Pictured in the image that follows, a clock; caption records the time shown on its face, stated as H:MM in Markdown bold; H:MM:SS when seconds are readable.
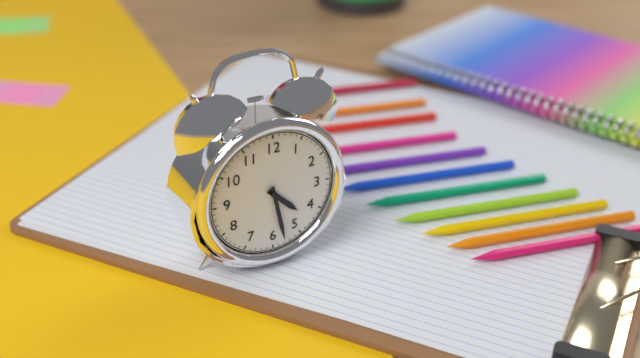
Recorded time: **4:28**
